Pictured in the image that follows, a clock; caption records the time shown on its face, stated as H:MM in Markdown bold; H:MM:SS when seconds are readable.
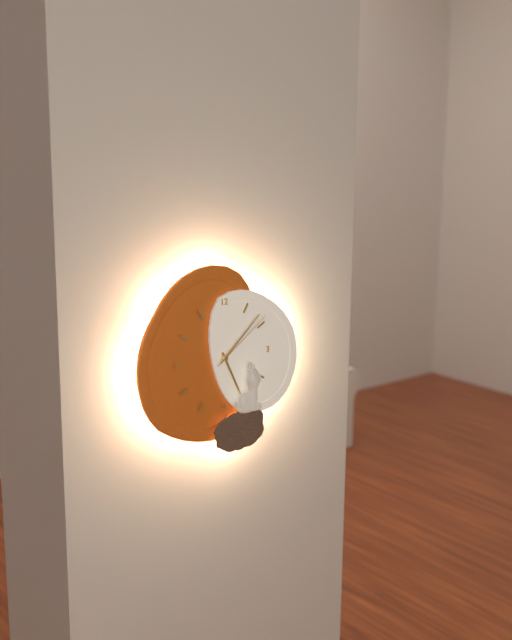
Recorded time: **5:08:09**
